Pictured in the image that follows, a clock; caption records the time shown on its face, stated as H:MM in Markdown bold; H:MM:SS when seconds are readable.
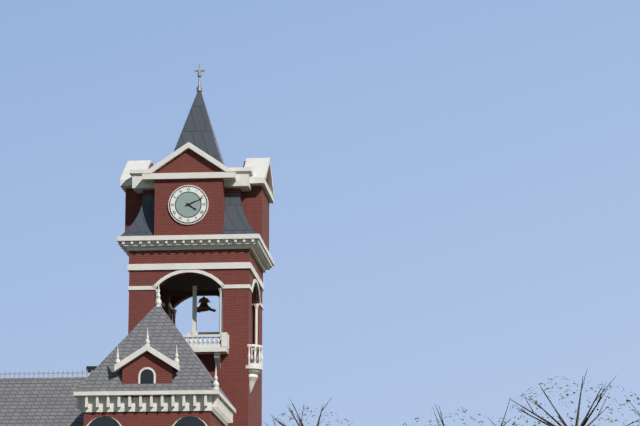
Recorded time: **4:11**
